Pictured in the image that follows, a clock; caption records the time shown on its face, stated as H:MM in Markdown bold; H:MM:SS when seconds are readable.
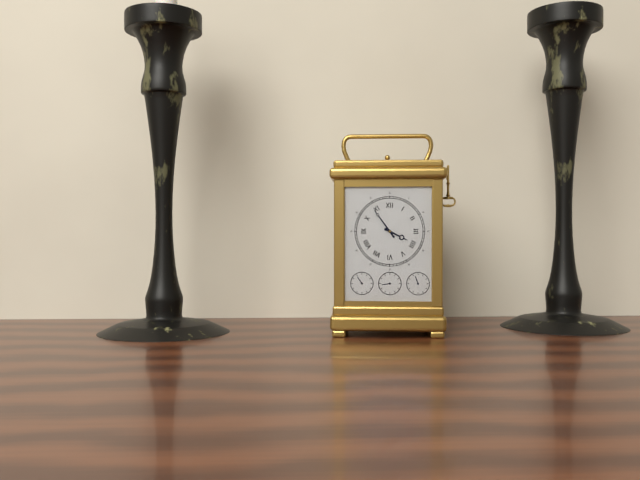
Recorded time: **3:54**
